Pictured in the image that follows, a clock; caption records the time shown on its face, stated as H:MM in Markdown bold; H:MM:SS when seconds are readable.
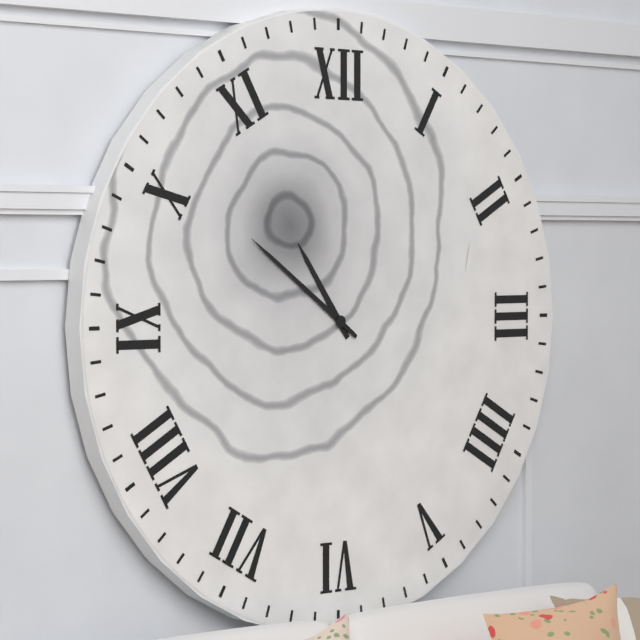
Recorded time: **10:51**
